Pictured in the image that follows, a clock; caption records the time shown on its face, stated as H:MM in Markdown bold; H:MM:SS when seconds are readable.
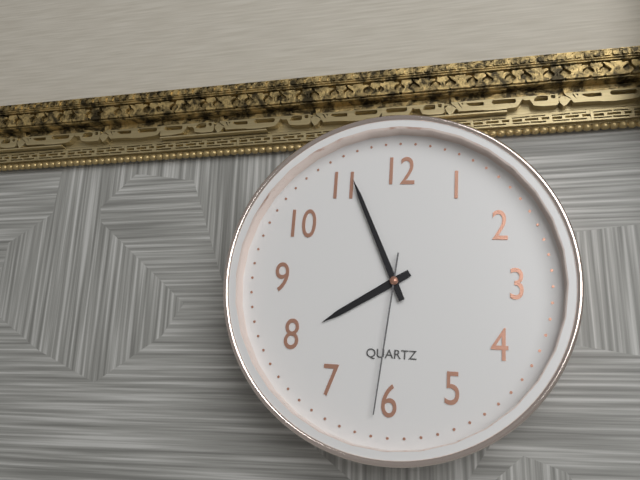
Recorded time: **7:56:31**
